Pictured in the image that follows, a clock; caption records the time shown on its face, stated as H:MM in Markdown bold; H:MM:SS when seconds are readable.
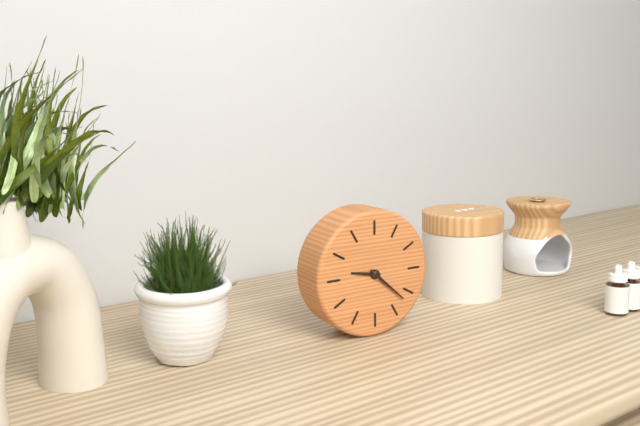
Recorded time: **9:22**
